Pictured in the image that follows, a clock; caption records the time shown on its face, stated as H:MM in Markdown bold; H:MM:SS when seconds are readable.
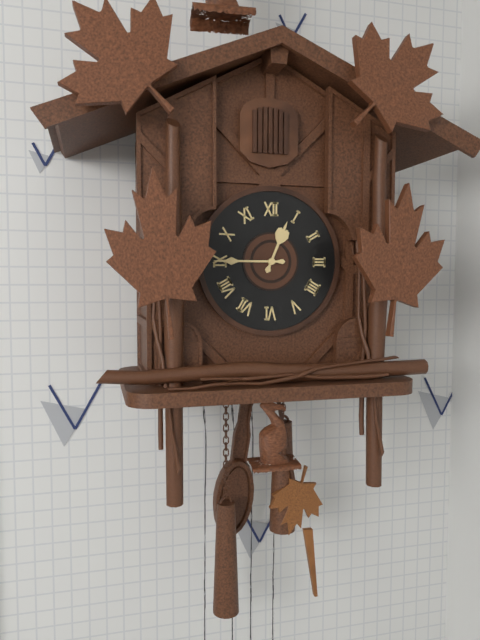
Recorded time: **12:45**
